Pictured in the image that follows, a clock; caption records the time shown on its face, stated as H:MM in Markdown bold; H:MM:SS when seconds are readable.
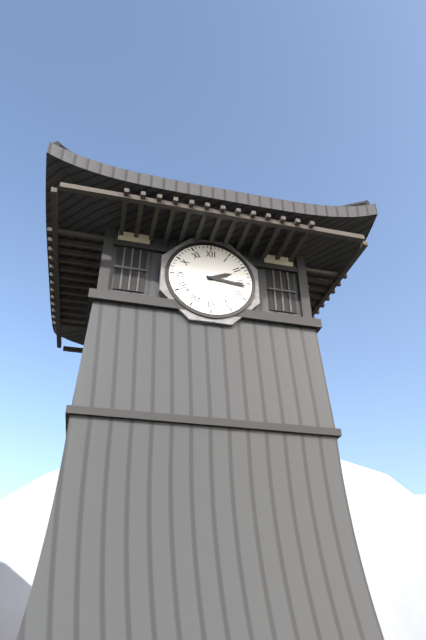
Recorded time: **2:16**
